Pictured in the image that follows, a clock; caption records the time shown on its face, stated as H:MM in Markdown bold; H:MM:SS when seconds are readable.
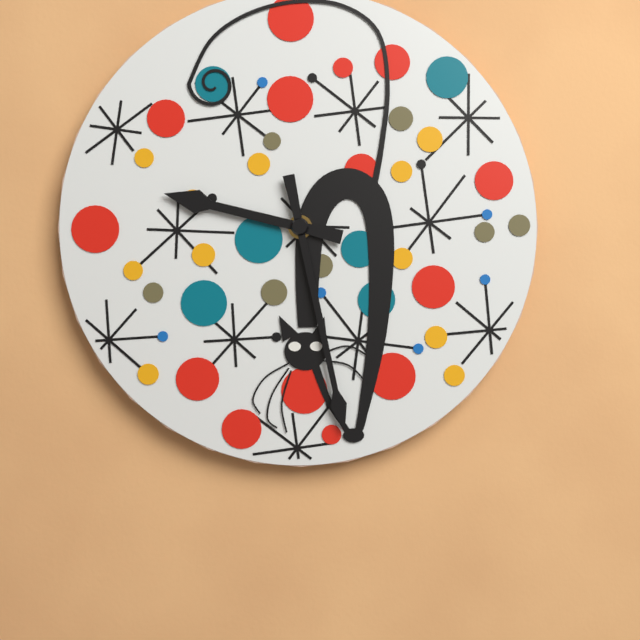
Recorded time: **9:28**
